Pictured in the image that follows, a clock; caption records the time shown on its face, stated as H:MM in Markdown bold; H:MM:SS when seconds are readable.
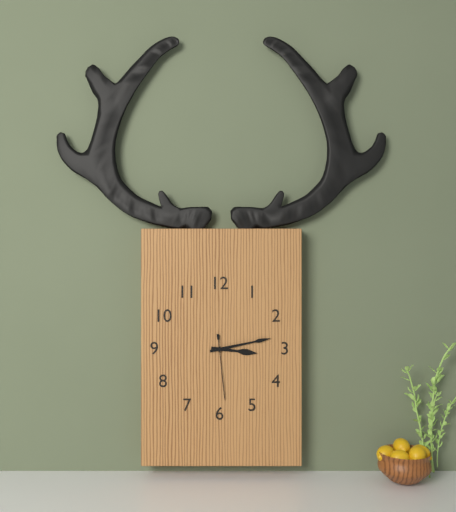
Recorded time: **3:13:29**
